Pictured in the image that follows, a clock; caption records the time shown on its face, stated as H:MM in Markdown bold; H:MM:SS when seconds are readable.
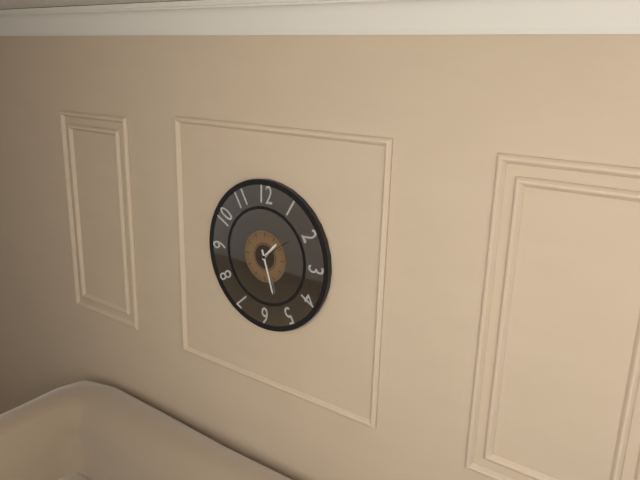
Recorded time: **1:27**
